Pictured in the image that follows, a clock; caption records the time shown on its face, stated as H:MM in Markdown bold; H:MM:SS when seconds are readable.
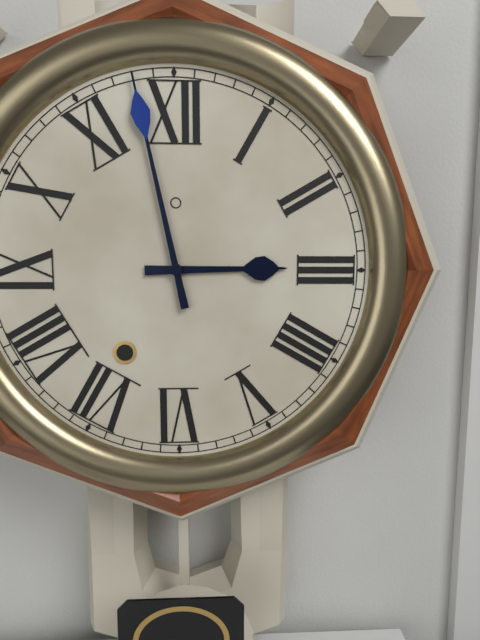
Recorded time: **2:58**
